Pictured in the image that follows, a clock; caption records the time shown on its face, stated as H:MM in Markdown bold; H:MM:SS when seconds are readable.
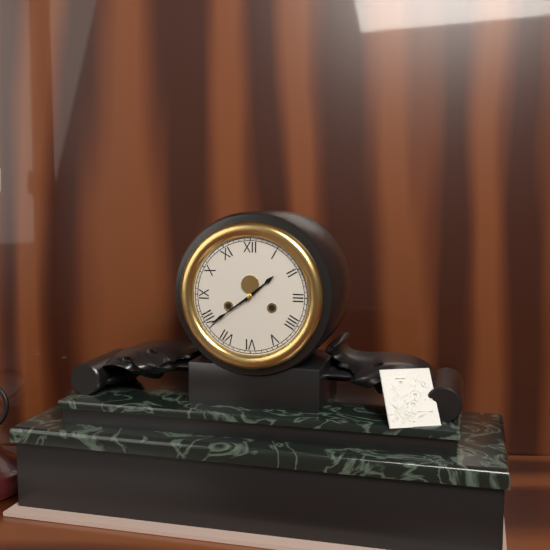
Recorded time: **1:39**
